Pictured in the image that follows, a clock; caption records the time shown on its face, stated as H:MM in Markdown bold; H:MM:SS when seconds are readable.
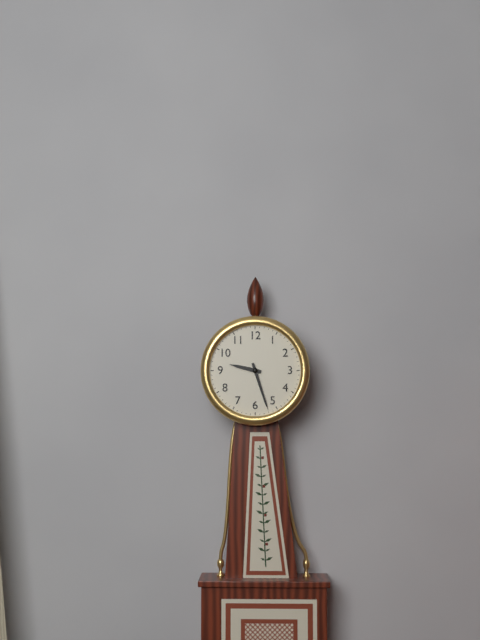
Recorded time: **9:27**
